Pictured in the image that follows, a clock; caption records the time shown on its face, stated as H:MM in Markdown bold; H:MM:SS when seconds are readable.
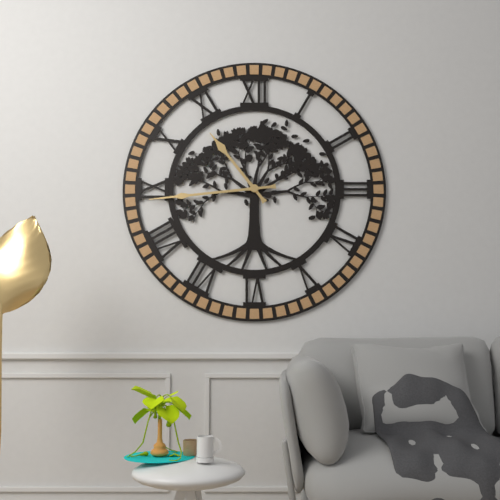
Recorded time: **10:44**
